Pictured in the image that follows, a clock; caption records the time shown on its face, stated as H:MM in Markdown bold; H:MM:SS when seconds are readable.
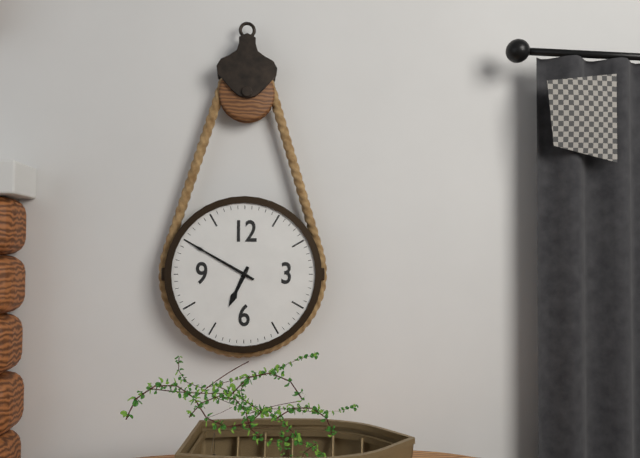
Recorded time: **6:50**
